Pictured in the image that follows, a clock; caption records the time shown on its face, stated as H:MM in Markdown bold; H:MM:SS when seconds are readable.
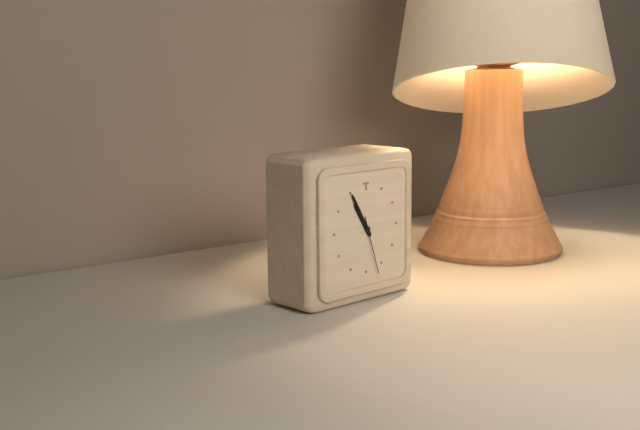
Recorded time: **10:55:27**
